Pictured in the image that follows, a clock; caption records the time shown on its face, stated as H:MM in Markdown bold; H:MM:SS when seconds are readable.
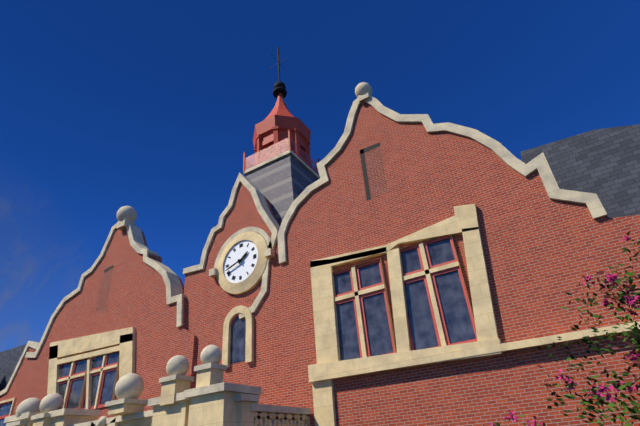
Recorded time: **1:42**
